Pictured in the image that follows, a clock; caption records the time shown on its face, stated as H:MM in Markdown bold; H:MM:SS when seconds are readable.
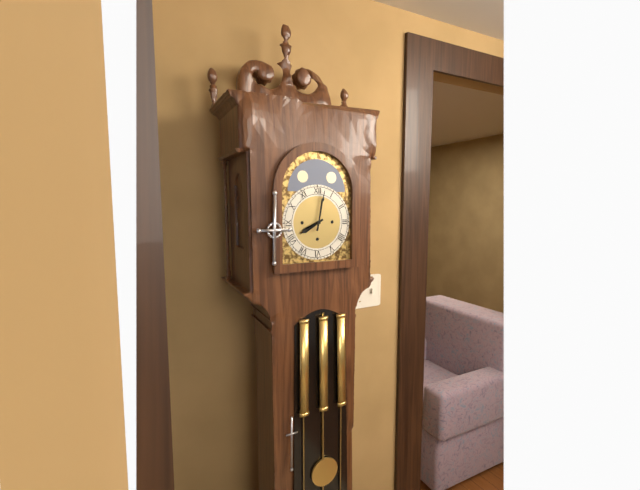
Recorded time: **8:02**
